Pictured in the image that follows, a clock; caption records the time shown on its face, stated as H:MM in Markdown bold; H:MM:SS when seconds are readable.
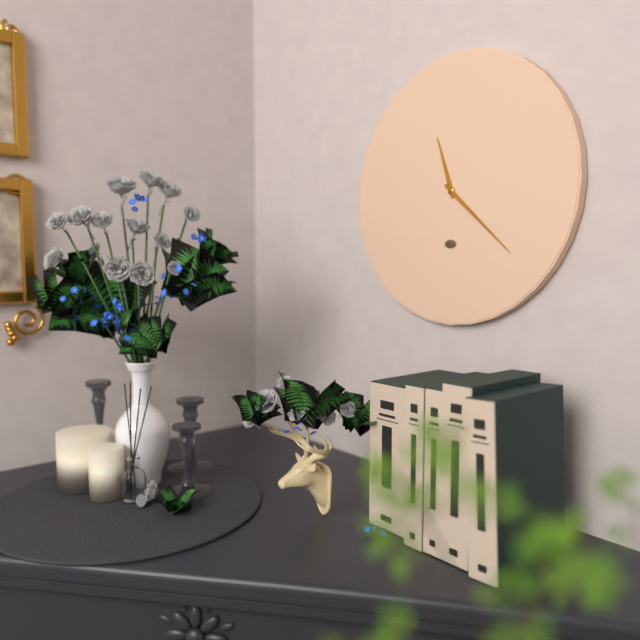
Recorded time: **11:22**
